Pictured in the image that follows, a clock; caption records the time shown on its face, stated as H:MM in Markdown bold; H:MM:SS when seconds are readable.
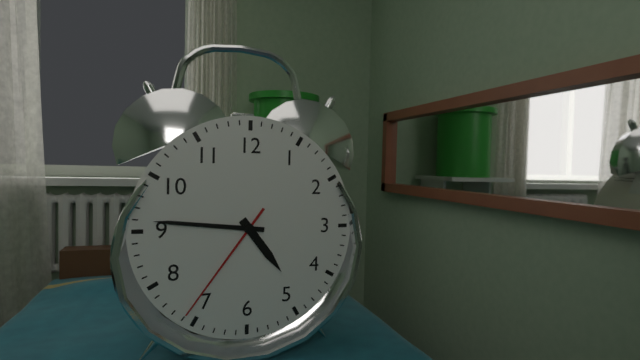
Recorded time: **4:46:36**
